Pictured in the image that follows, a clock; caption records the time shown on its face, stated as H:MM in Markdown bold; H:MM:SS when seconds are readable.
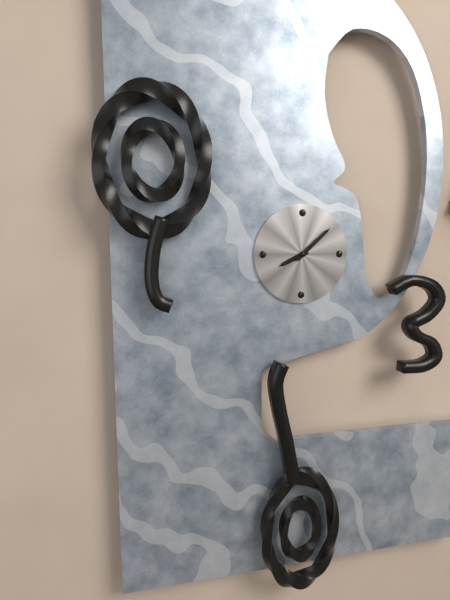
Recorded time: **8:08**
